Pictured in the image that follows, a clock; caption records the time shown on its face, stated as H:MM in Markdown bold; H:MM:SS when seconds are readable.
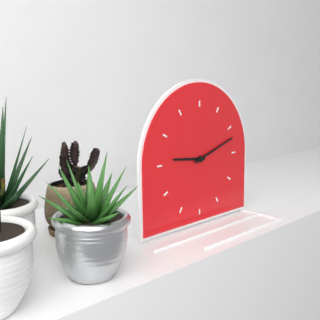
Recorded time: **9:12**
